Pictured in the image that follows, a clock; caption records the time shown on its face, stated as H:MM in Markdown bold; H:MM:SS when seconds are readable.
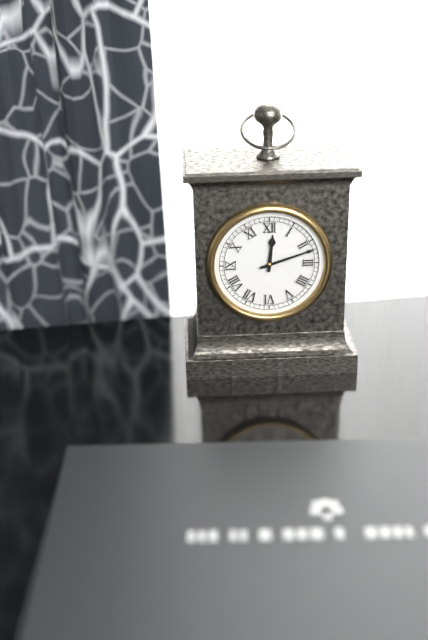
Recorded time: **12:12**
